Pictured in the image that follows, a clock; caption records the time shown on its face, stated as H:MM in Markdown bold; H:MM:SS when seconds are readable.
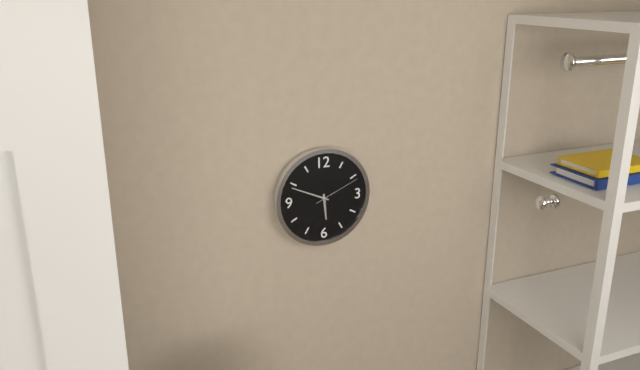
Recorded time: **5:49**
